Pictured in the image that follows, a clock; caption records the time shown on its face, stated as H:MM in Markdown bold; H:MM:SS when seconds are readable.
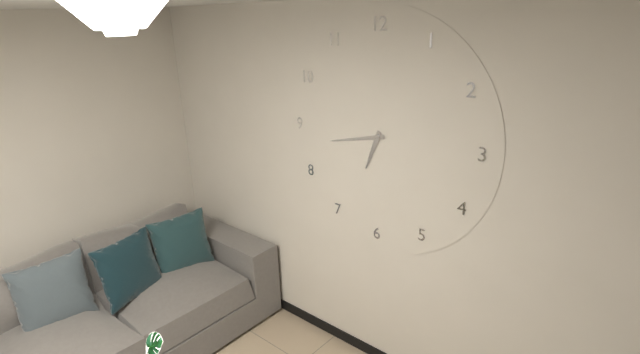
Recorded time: **6:43**
